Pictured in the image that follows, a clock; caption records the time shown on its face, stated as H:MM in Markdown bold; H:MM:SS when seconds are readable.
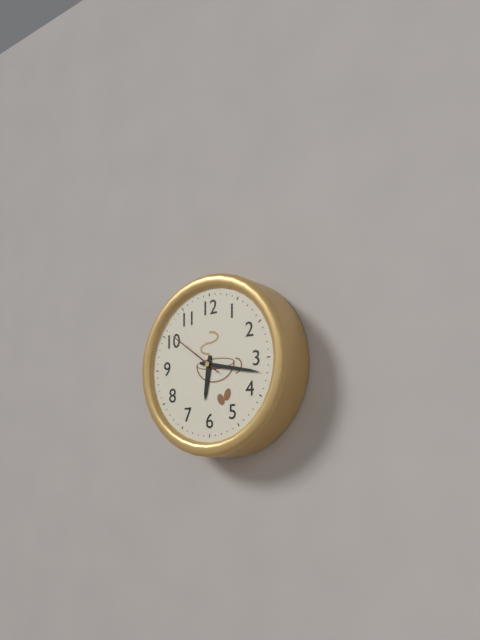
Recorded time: **6:17:51**
